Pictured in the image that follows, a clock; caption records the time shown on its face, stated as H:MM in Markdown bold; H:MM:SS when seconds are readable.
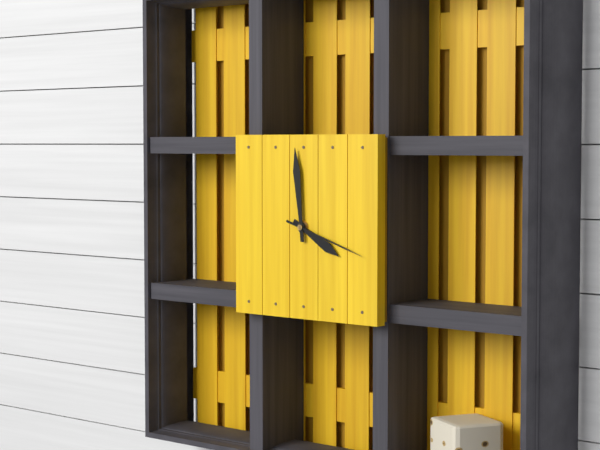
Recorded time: **3:59:18**
